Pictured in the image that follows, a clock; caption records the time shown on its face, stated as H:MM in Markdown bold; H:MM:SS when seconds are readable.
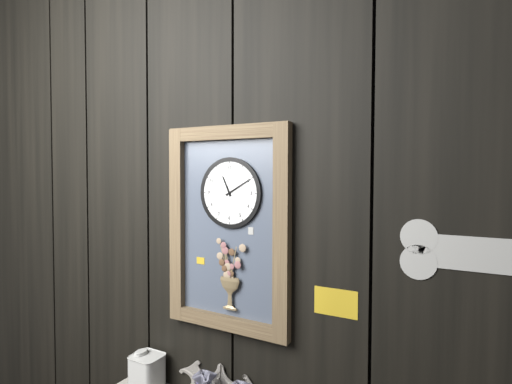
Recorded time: **11:10**
